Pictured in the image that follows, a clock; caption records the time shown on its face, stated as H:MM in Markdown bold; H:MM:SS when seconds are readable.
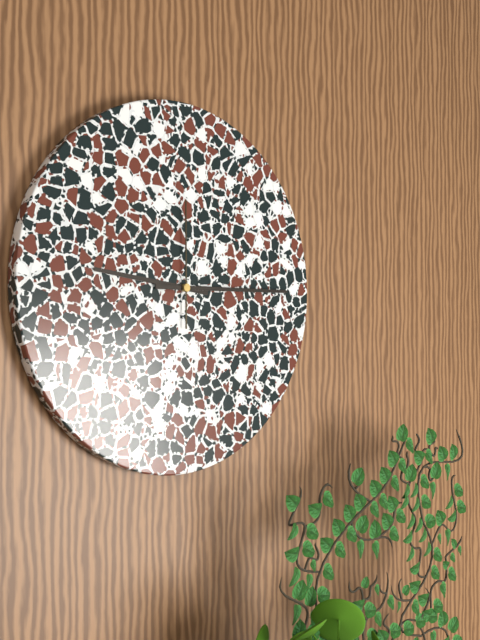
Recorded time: **9:15:00**
